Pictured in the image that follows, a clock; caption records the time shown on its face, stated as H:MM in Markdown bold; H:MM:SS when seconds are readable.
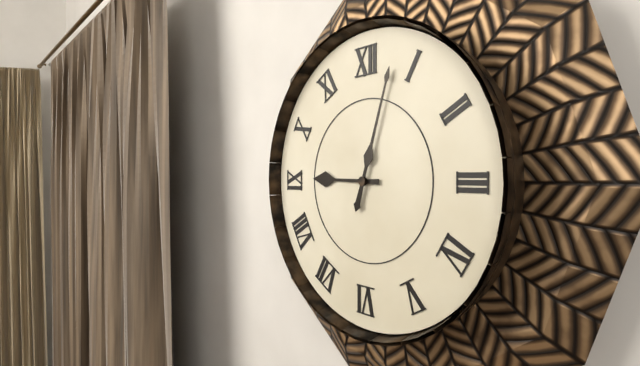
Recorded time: **9:03**
